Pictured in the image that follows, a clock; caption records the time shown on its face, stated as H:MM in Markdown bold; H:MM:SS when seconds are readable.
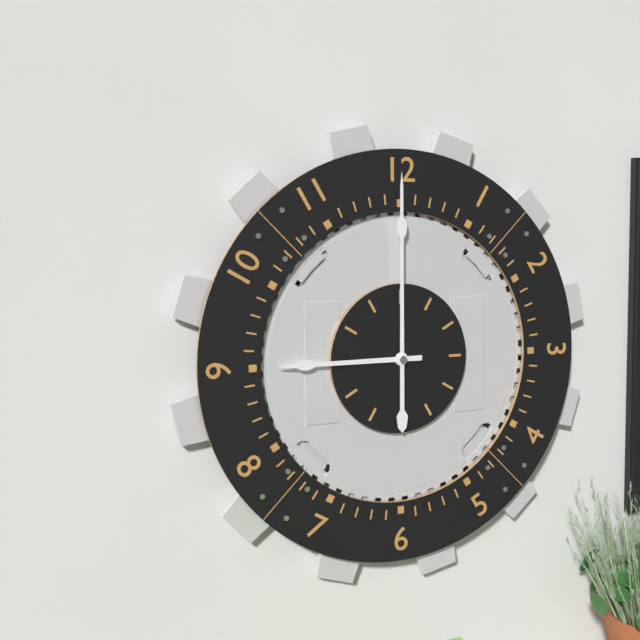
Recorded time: **9:00**
